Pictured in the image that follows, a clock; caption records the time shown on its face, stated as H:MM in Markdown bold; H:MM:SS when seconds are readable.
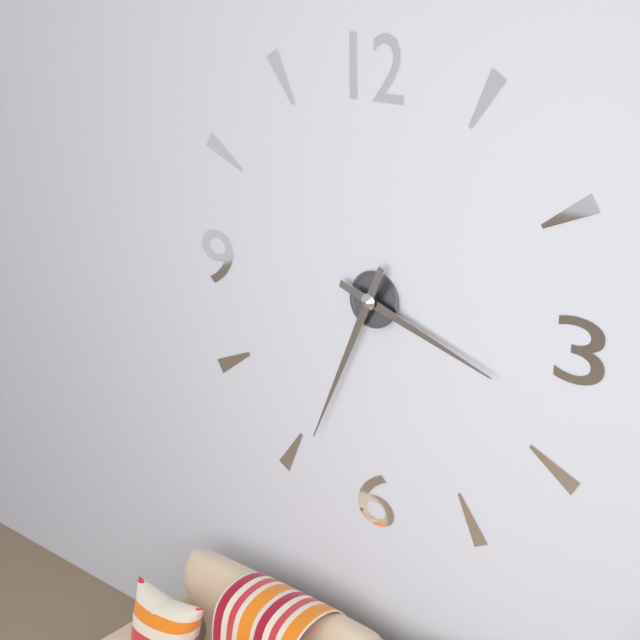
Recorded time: **3:34**
